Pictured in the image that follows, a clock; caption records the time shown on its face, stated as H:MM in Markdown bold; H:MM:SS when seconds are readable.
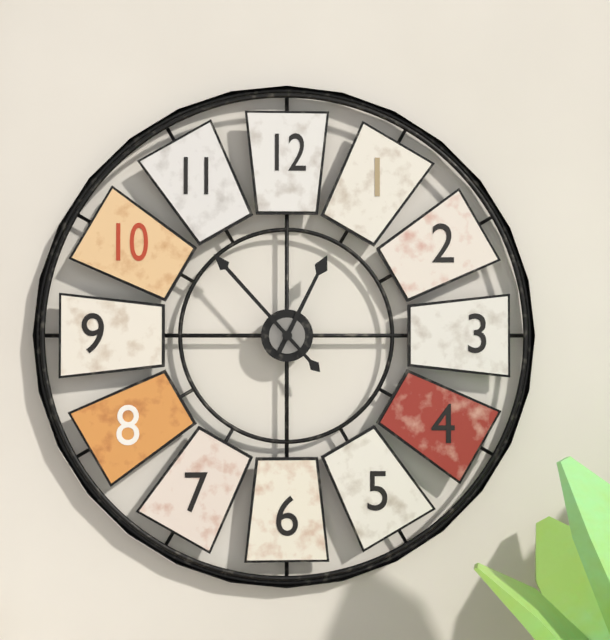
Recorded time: **12:53**
